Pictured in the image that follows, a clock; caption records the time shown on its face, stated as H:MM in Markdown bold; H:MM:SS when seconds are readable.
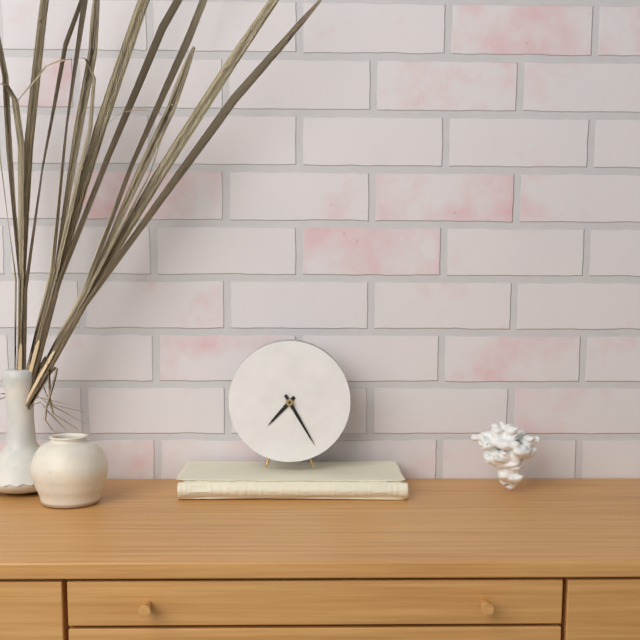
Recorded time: **7:25**
